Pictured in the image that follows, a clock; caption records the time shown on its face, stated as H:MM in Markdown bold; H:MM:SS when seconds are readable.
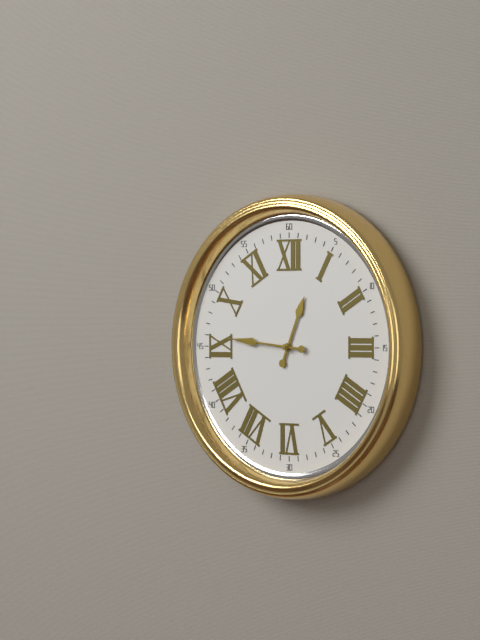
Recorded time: **12:46:46**
